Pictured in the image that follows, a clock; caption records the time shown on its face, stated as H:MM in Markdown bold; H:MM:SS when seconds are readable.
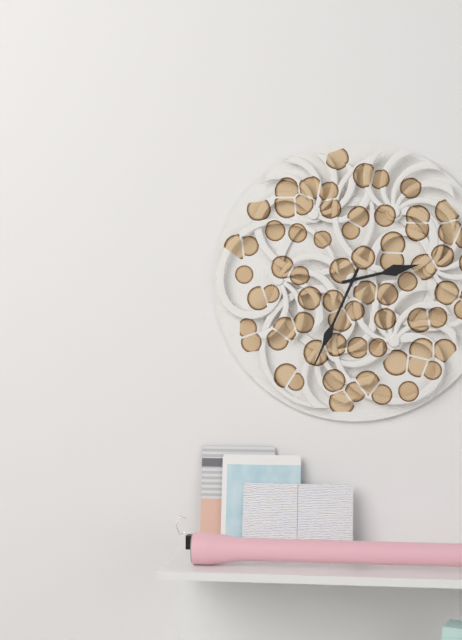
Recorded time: **2:34**
